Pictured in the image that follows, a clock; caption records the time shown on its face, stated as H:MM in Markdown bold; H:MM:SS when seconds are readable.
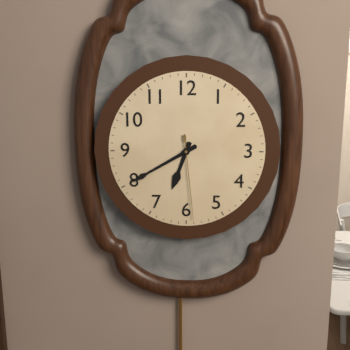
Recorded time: **6:40:29**
